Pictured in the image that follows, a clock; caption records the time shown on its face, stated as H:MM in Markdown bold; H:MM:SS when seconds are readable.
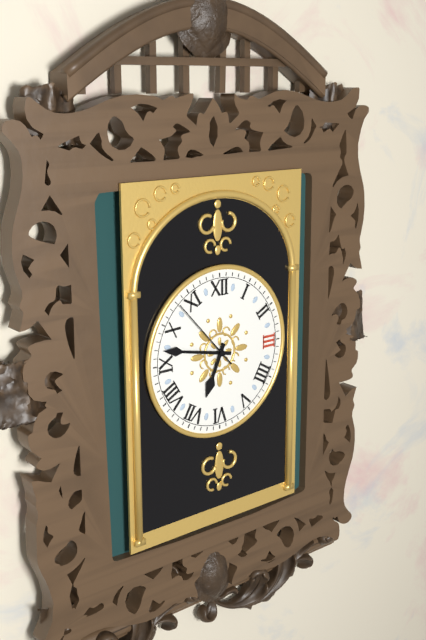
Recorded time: **6:47:53**
